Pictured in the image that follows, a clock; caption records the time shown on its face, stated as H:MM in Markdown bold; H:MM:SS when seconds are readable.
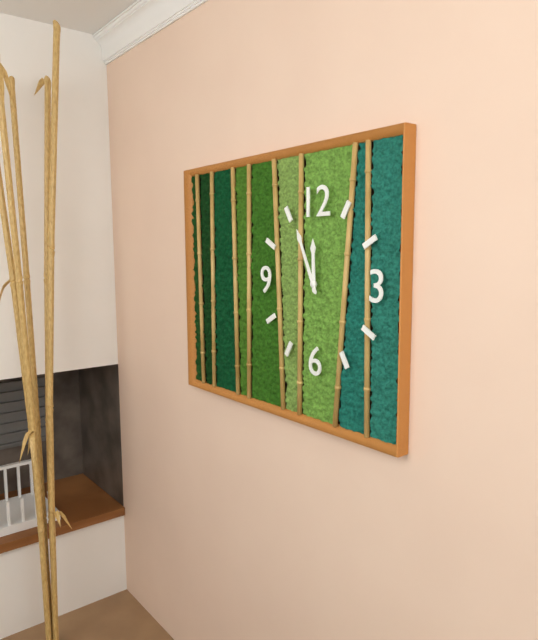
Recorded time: **11:56**
